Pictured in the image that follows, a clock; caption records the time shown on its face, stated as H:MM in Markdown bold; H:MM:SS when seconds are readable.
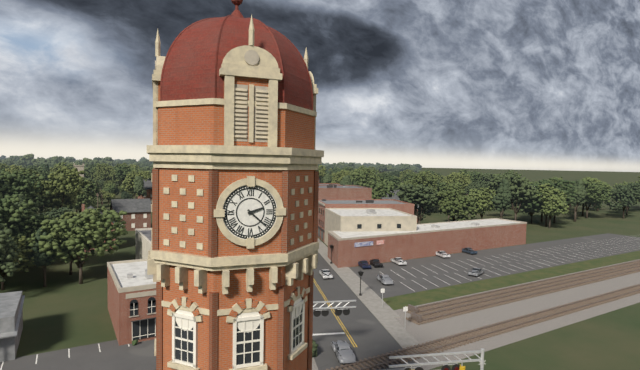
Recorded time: **2:22**
